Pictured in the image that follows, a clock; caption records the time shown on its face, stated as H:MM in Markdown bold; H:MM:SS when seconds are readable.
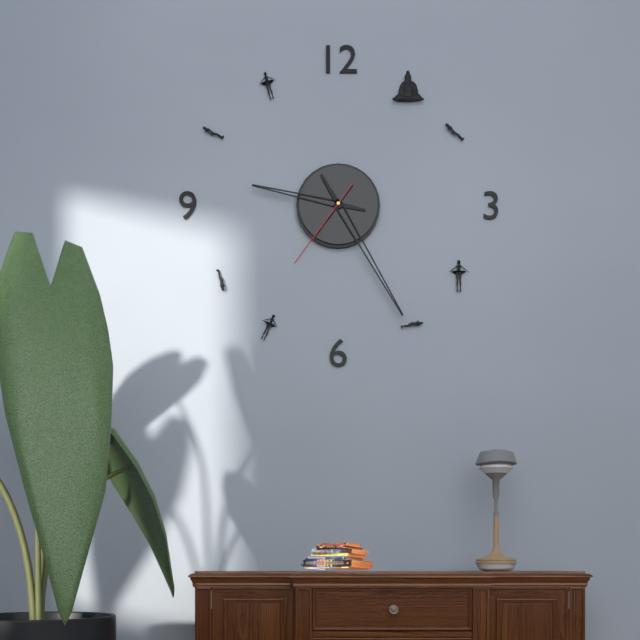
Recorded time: **9:25:36**
